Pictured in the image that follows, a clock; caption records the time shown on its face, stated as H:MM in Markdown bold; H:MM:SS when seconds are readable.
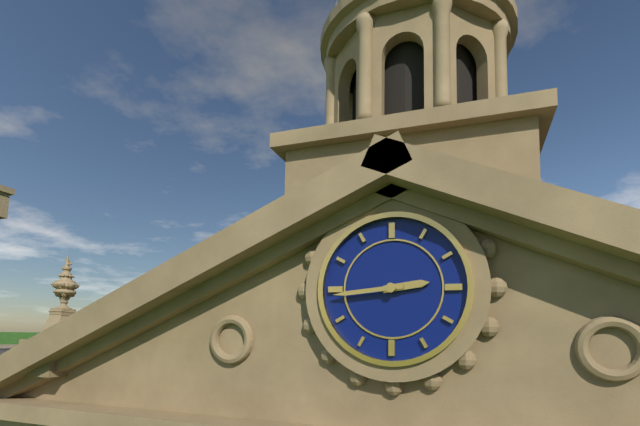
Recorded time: **2:44**
